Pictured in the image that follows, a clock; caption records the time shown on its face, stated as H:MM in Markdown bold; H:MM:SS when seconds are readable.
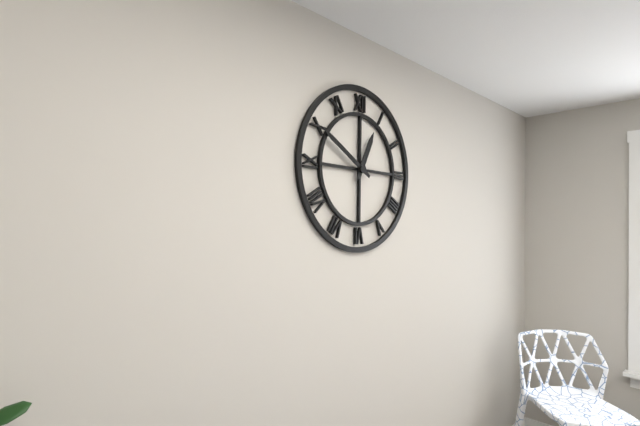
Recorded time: **12:50**
